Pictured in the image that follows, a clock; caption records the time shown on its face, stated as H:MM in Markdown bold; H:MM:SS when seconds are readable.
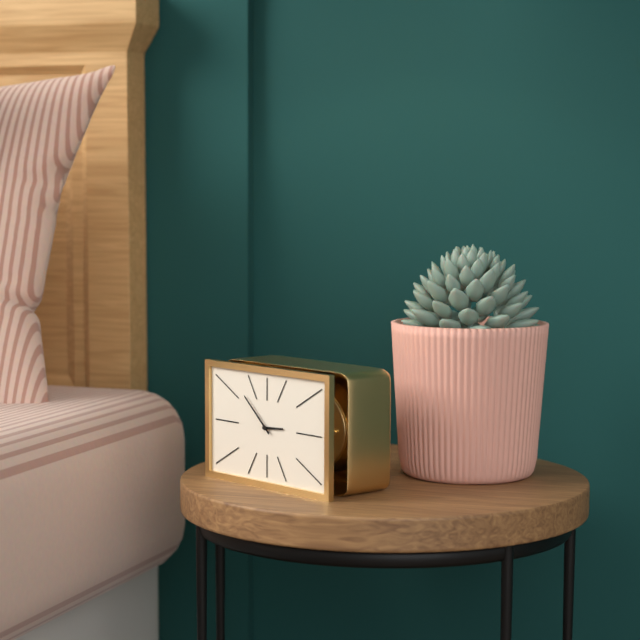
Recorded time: **2:52**
